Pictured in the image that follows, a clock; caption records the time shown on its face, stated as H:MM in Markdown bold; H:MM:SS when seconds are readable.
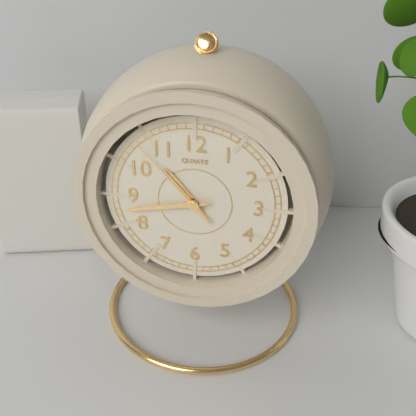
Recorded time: **10:43:53**
